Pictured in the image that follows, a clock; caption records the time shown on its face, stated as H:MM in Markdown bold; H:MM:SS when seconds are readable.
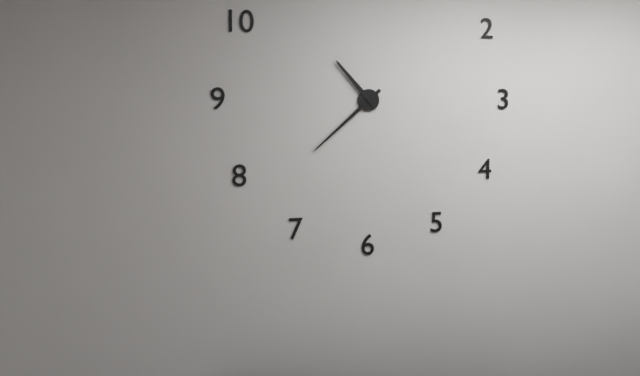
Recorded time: **10:38**
